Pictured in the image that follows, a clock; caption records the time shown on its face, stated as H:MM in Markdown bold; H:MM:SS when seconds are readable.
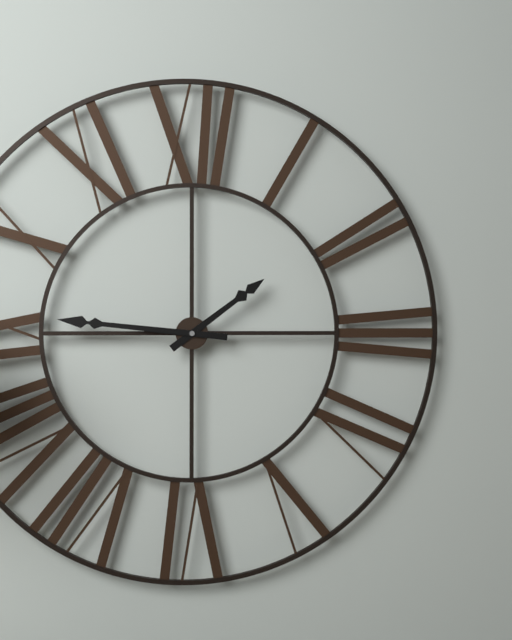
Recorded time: **1:46**
